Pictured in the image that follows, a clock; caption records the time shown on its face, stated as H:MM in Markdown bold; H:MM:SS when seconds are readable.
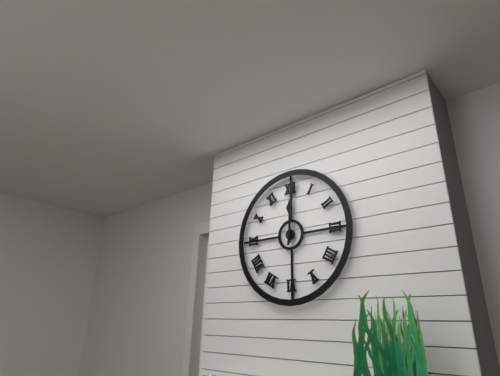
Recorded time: **12:01**
